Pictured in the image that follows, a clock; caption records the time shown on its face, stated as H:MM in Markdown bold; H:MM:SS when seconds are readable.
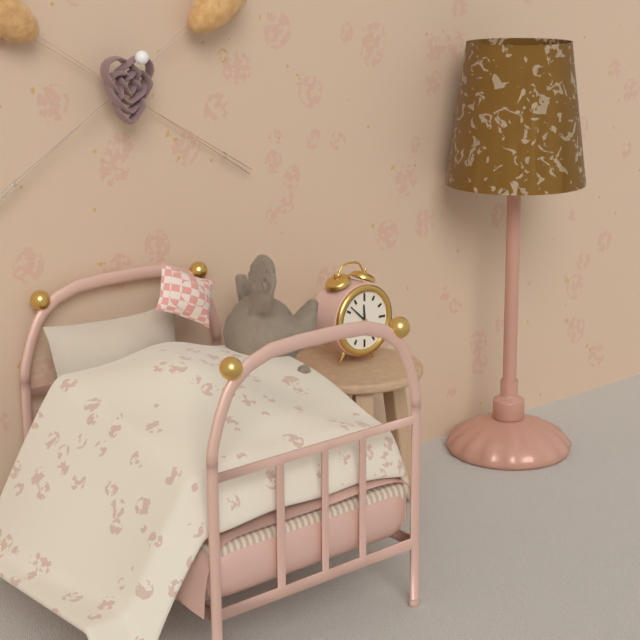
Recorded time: **11:52**
